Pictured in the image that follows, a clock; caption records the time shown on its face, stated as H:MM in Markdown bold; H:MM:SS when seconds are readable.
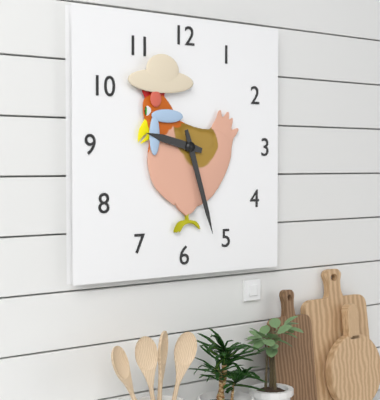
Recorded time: **9:27**
